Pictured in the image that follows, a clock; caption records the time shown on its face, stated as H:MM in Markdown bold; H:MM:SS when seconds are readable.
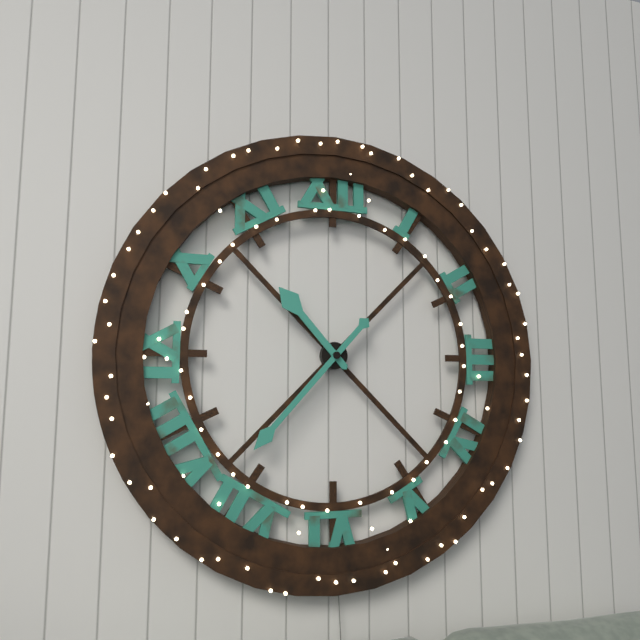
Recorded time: **10:37**
